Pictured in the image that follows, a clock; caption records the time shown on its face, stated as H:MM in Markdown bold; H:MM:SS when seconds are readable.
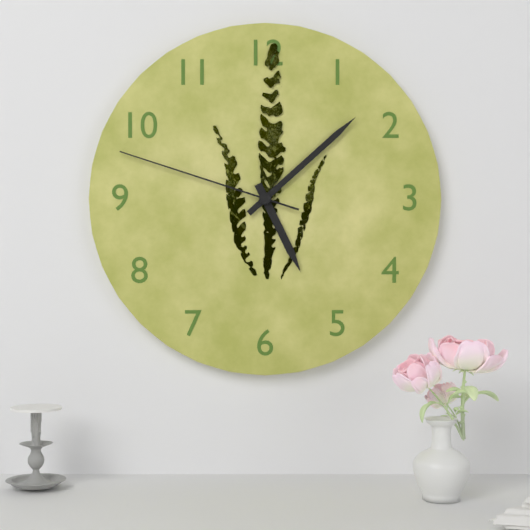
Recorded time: **5:08:48**
